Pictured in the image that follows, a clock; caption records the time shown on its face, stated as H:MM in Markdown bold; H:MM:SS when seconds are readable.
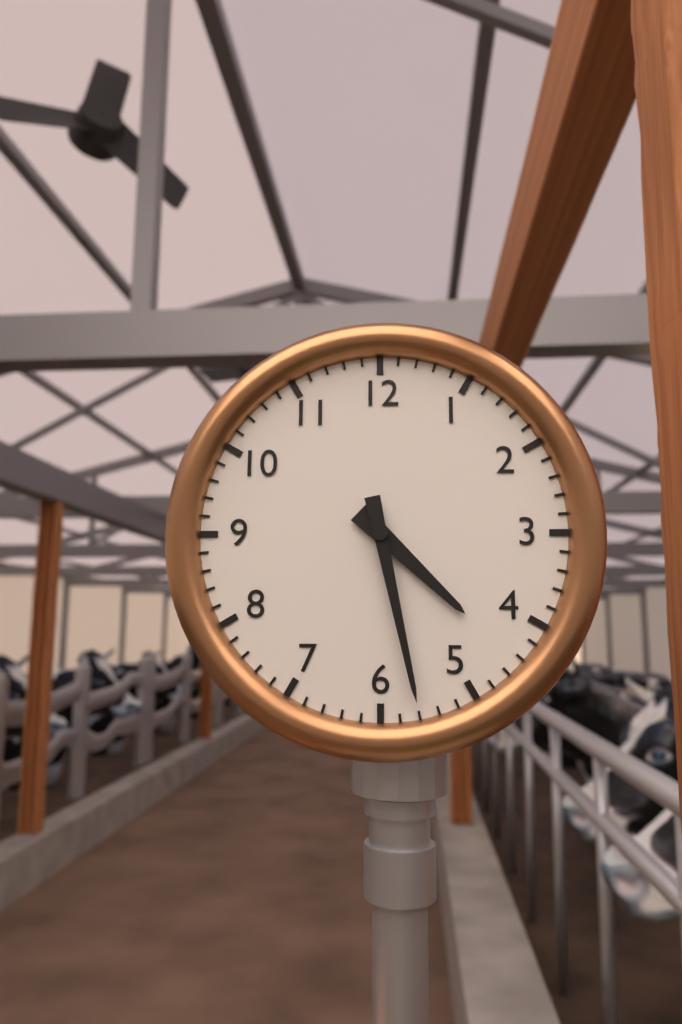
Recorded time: **4:28**
